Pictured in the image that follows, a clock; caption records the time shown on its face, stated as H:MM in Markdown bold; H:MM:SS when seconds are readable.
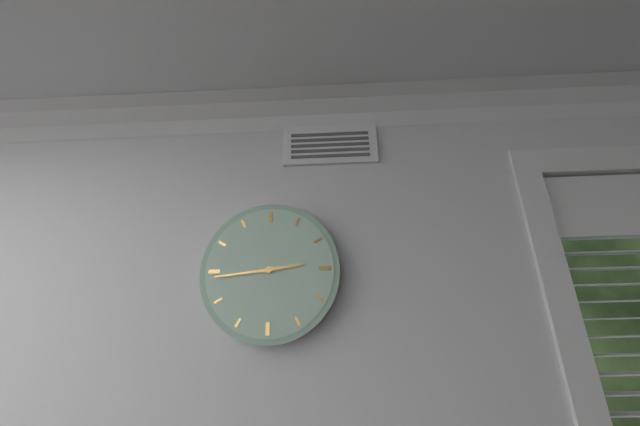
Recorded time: **2:44**
